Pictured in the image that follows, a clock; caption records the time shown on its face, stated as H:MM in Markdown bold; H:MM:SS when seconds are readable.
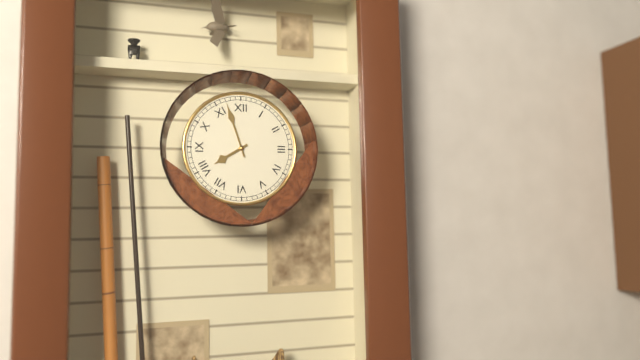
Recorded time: **7:57**
